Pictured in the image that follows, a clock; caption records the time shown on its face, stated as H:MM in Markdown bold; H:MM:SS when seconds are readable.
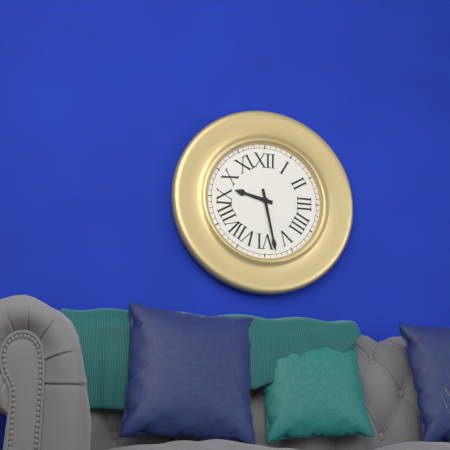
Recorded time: **9:28**
